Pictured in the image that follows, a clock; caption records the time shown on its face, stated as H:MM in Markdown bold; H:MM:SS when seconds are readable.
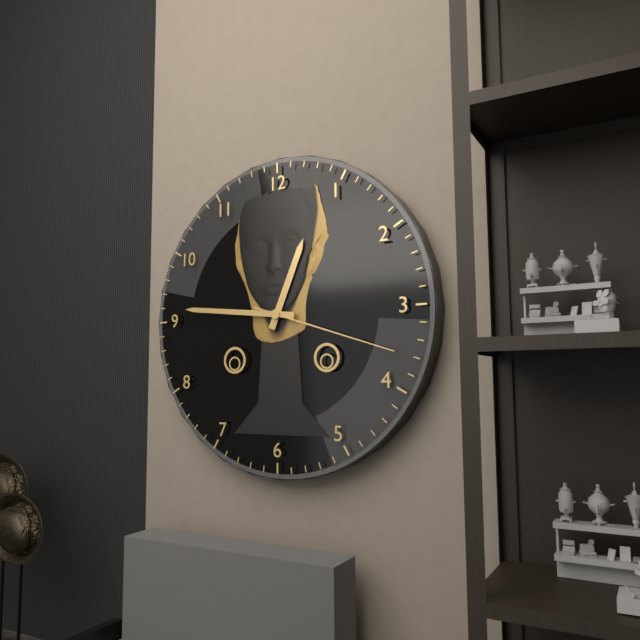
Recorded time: **12:46:18**
